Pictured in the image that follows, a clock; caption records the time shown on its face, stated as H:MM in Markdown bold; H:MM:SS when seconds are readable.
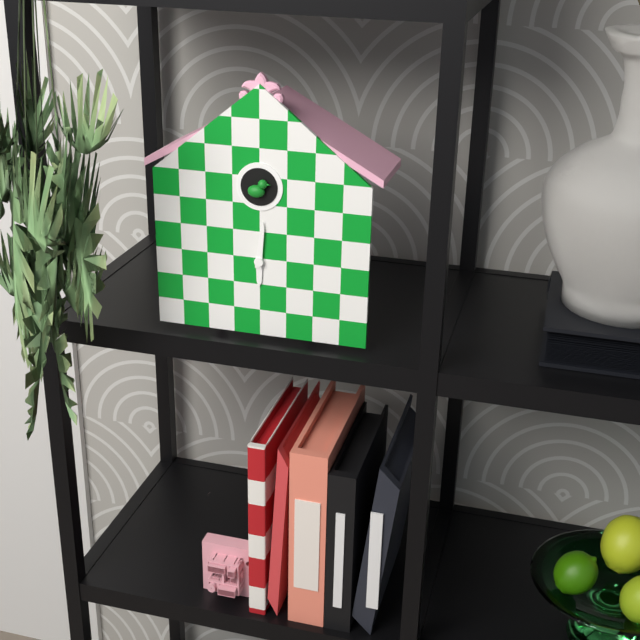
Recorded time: **6:01**
